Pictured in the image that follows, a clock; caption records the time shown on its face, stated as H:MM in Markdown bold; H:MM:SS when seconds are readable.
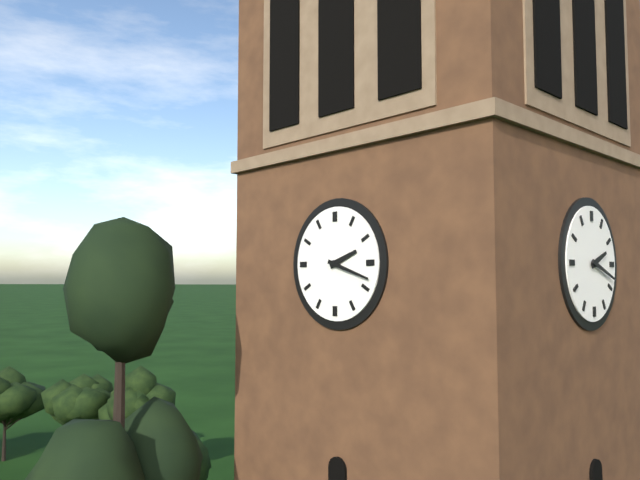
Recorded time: **2:18**
